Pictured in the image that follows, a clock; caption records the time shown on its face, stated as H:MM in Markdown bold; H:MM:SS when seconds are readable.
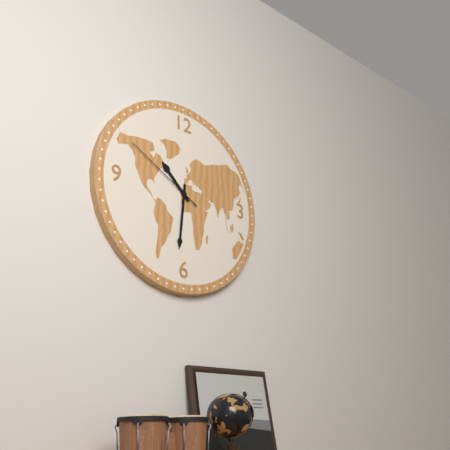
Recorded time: **10:31:50**
